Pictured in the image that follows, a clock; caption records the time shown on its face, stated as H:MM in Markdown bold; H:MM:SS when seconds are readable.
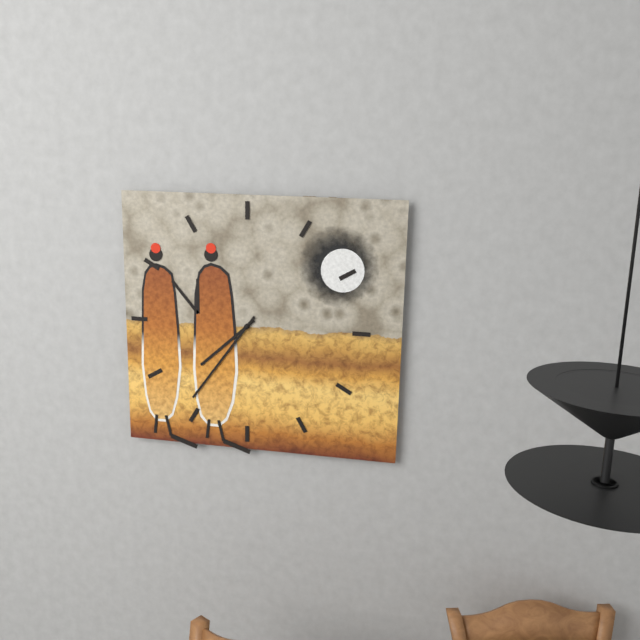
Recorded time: **7:36**
